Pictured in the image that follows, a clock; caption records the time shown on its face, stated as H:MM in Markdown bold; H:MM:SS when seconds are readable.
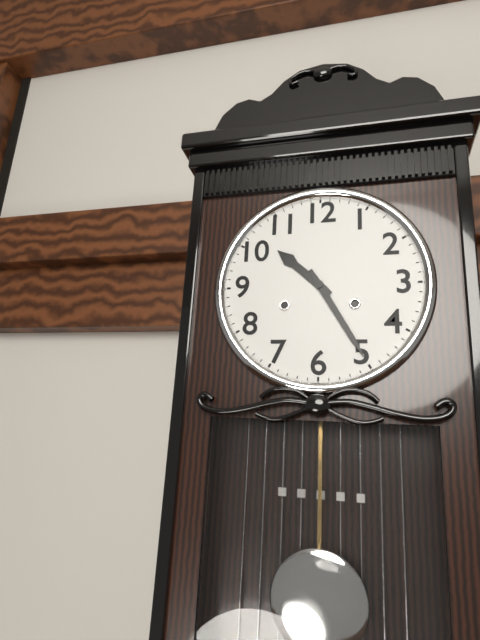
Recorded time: **10:25**
